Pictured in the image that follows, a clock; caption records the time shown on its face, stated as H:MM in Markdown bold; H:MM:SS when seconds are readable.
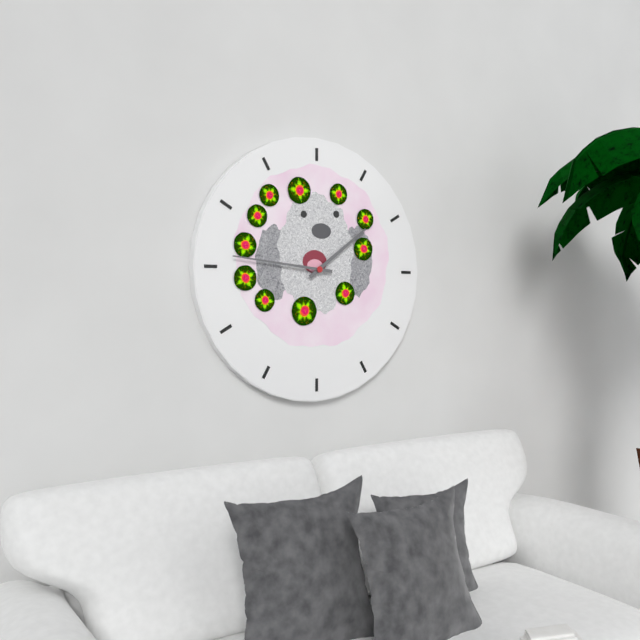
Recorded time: **1:46**
